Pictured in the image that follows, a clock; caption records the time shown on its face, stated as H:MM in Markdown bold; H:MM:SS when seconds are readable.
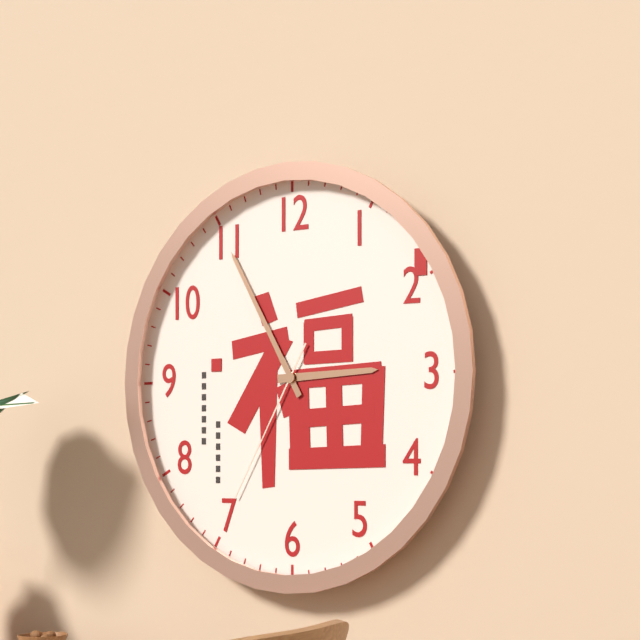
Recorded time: **2:55:35**
